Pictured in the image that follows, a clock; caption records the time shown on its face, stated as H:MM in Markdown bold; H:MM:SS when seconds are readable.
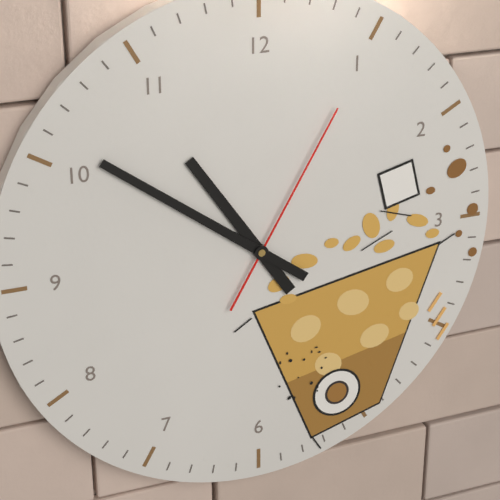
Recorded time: **10:51:05**
